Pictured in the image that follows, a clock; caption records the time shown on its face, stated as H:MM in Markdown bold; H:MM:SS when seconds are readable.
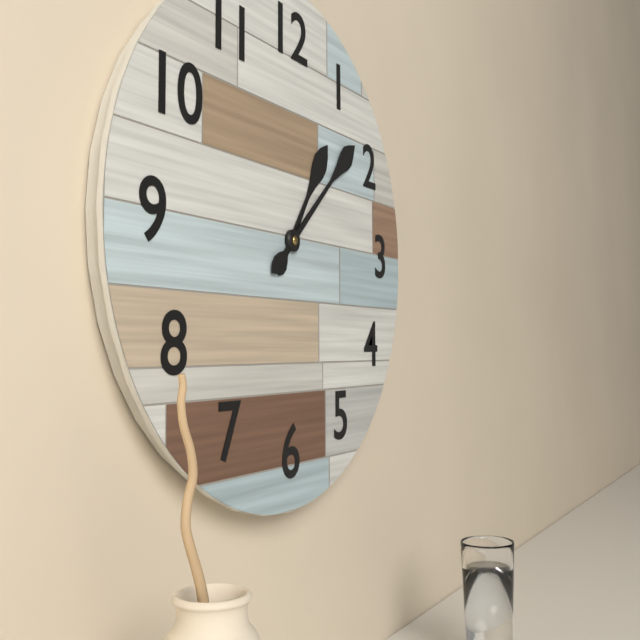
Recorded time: **1:08**
